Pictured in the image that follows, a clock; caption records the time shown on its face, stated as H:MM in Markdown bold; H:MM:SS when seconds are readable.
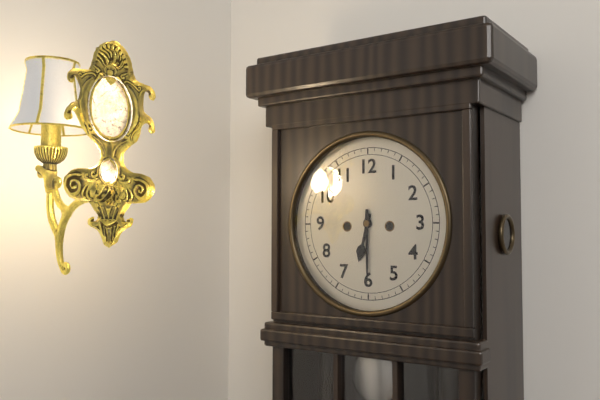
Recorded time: **6:30**
